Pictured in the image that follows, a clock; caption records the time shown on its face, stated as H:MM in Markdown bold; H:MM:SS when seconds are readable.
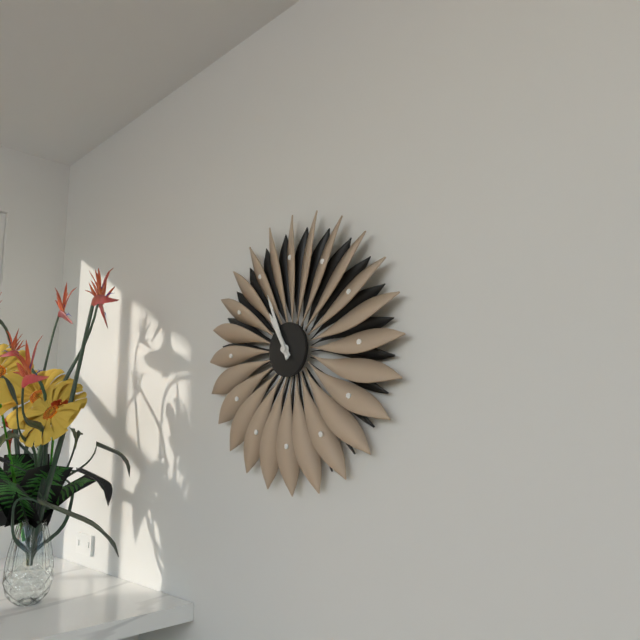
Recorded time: **10:56**
